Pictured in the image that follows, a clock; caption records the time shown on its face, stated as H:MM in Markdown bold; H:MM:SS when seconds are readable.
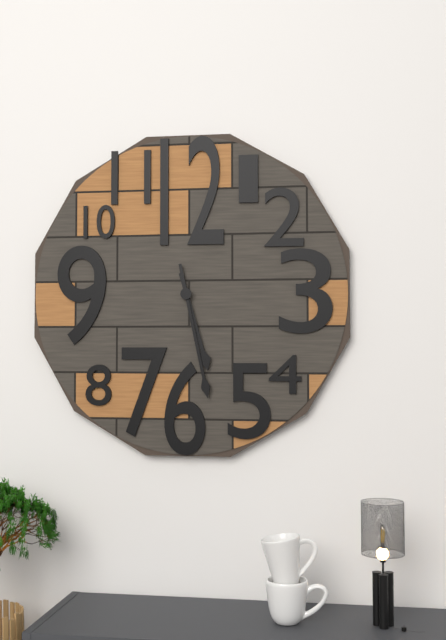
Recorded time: **5:28**
